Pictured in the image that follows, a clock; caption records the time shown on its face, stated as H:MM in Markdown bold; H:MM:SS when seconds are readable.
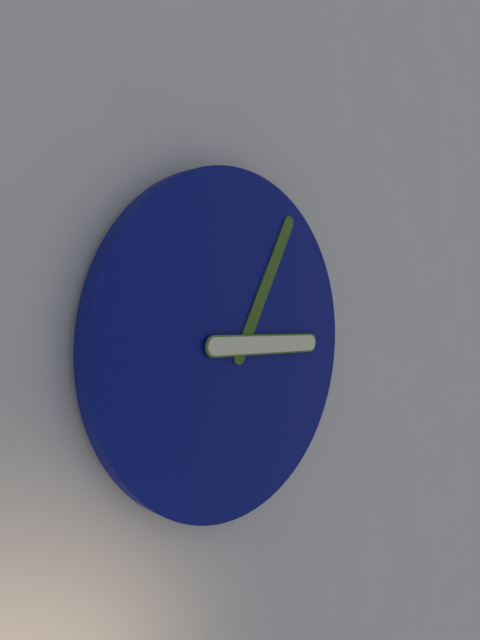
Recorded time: **3:05**
